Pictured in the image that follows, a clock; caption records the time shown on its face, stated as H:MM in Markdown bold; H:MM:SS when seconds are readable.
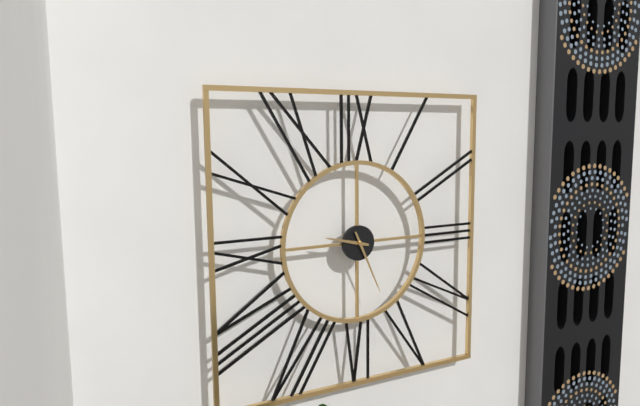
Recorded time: **9:26**
